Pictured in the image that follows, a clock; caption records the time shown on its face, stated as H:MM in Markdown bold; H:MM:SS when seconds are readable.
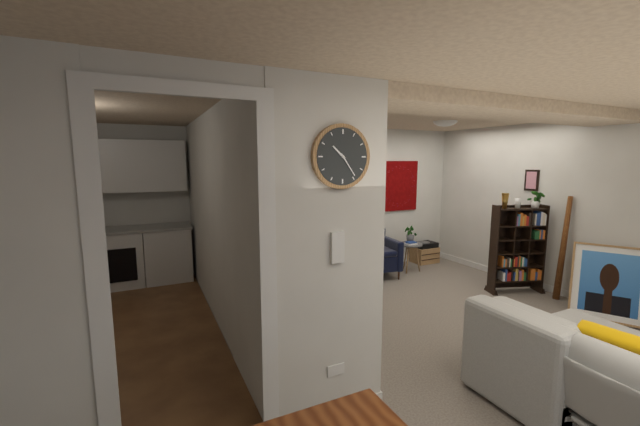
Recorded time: **10:24**
